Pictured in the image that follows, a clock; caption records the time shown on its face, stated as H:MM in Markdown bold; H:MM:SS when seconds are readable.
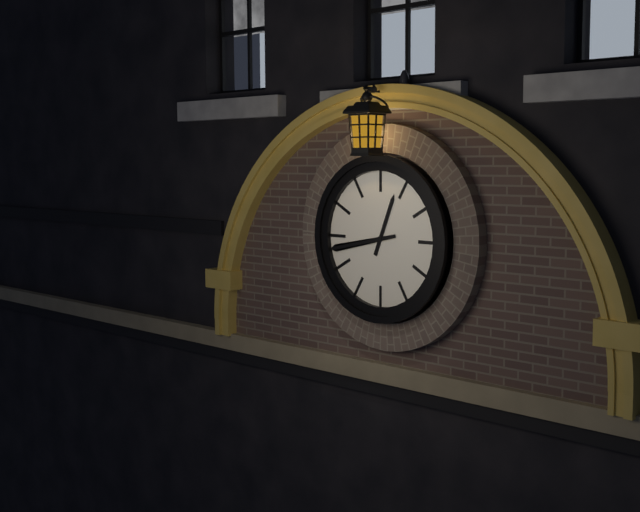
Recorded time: **12:43**
